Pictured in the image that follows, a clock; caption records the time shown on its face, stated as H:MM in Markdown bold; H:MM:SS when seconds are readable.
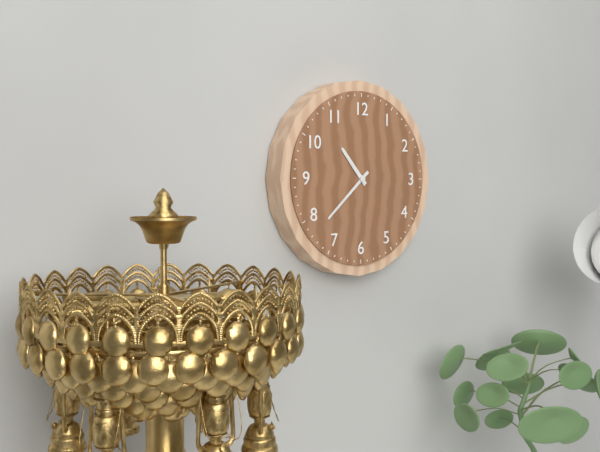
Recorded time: **10:38**
